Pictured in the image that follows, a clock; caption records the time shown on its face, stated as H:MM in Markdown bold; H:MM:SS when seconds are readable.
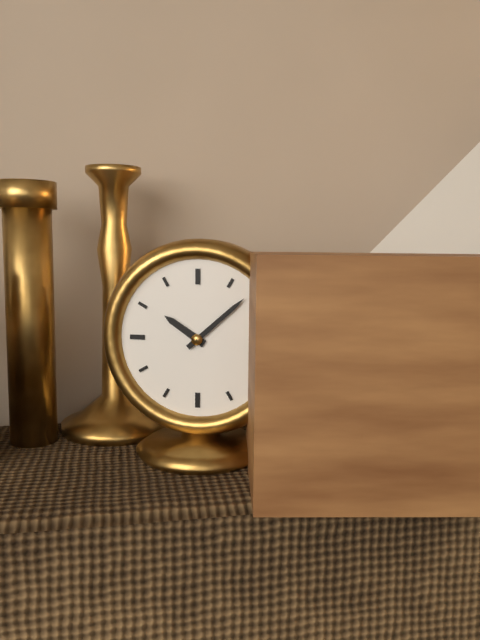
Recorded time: **10:08**
